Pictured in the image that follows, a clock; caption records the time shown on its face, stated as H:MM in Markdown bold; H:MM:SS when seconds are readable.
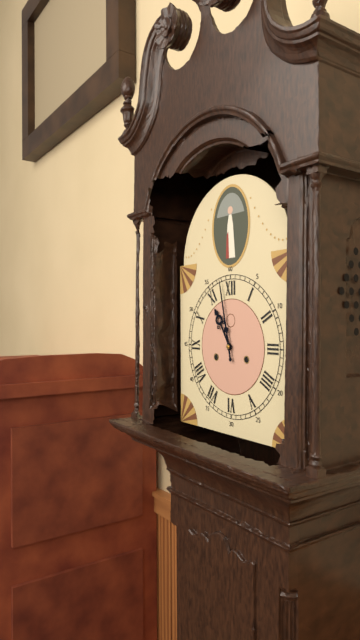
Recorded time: **10:58**
